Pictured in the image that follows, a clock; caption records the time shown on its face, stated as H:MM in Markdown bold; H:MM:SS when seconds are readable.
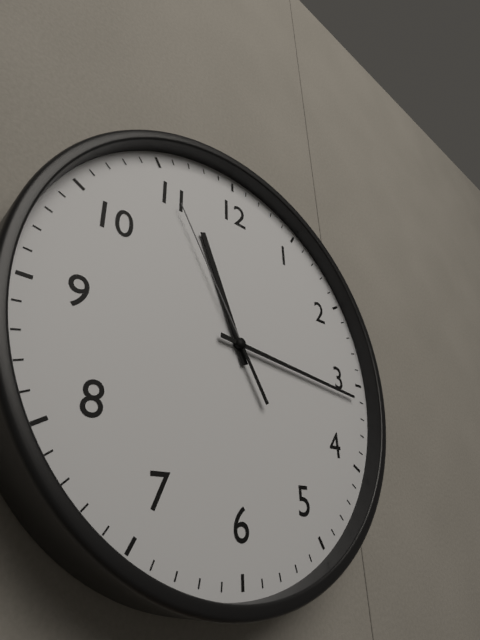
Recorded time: **11:16:55**
